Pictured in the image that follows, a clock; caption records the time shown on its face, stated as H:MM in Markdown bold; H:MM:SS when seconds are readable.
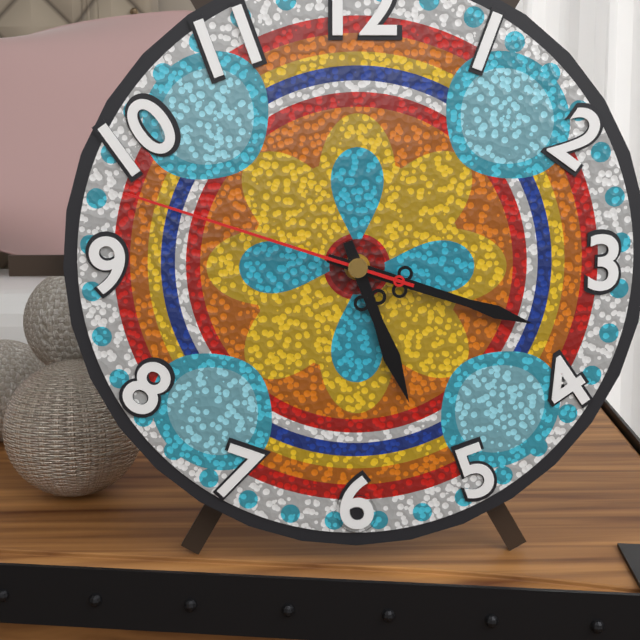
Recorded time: **5:18:48**
